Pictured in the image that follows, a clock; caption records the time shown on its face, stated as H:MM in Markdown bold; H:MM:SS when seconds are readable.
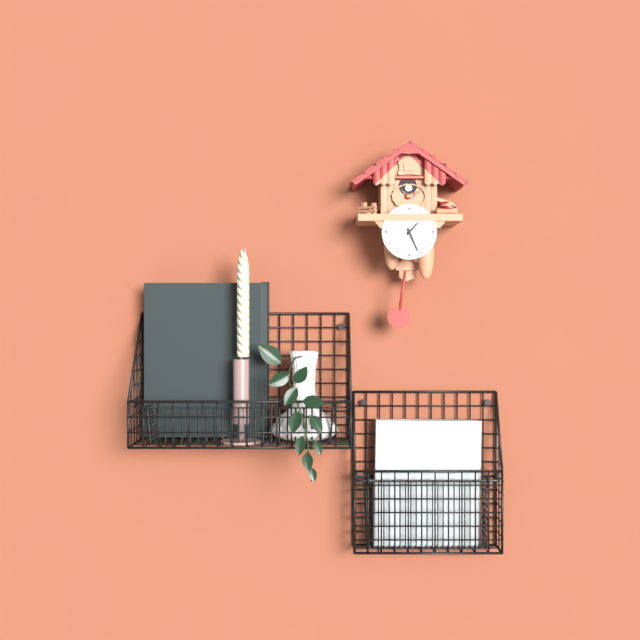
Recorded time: **1:26**
